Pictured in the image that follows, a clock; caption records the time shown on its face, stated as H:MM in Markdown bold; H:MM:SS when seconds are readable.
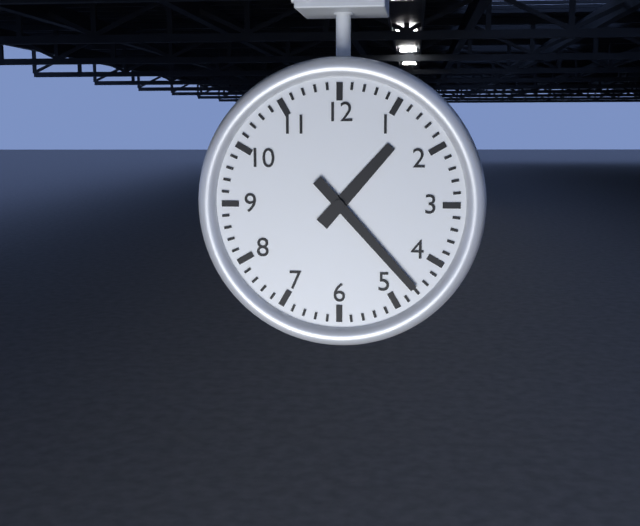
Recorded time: **1:23**
